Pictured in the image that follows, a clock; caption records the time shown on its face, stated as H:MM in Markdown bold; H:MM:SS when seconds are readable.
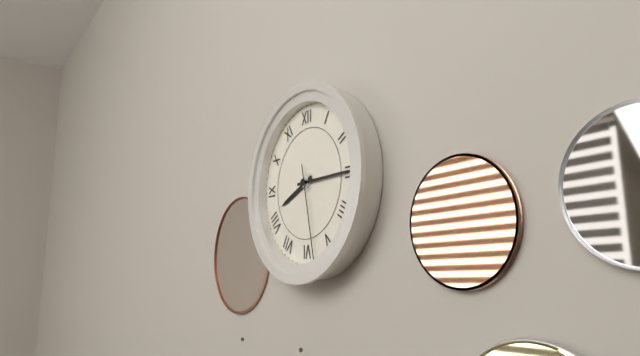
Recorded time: **8:15:28**
